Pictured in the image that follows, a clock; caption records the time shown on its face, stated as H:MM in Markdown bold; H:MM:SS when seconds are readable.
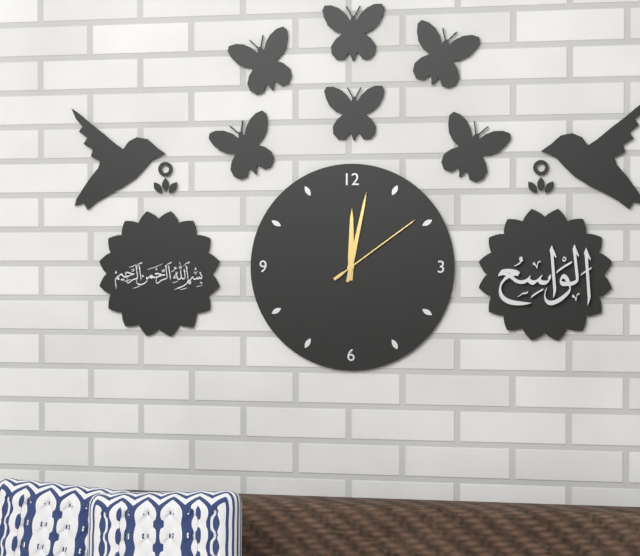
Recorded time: **12:02:09**
